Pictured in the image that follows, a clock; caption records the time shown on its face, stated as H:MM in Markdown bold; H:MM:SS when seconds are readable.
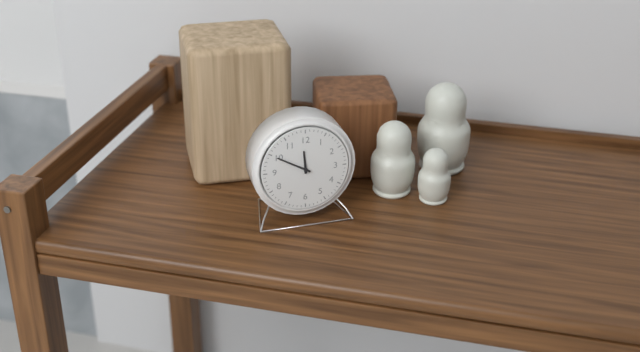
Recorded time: **11:50**
